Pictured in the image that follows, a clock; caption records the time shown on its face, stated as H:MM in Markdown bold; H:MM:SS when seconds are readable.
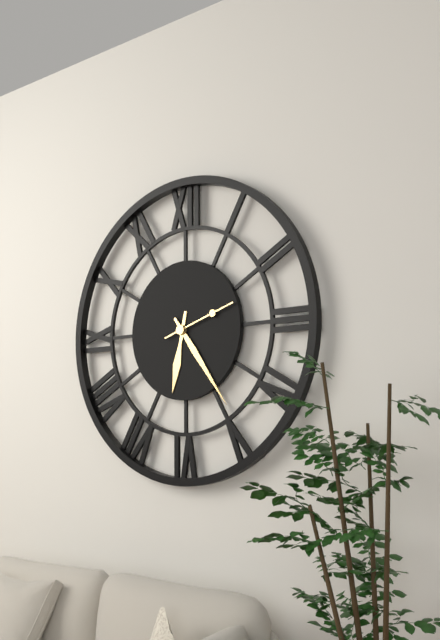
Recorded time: **6:24:12**
